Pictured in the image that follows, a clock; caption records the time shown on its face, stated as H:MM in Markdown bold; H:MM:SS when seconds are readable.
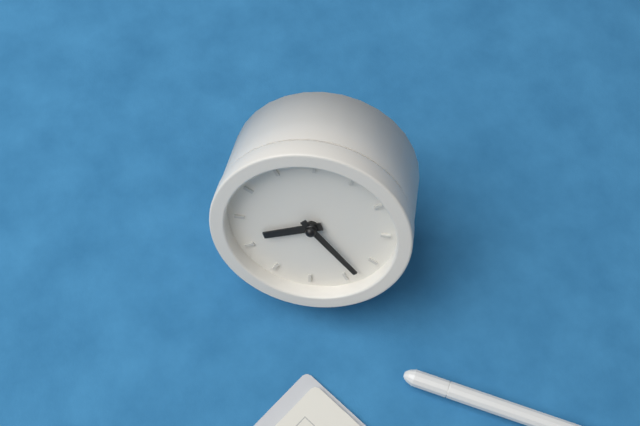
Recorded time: **7:18**
